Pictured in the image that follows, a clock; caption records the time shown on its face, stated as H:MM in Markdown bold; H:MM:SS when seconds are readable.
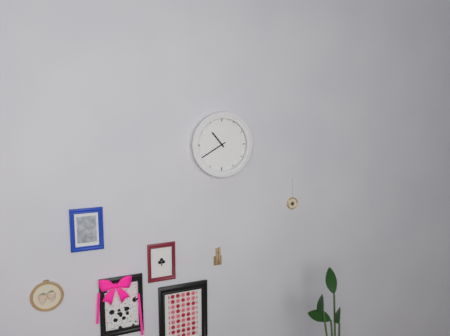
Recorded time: **10:40**
